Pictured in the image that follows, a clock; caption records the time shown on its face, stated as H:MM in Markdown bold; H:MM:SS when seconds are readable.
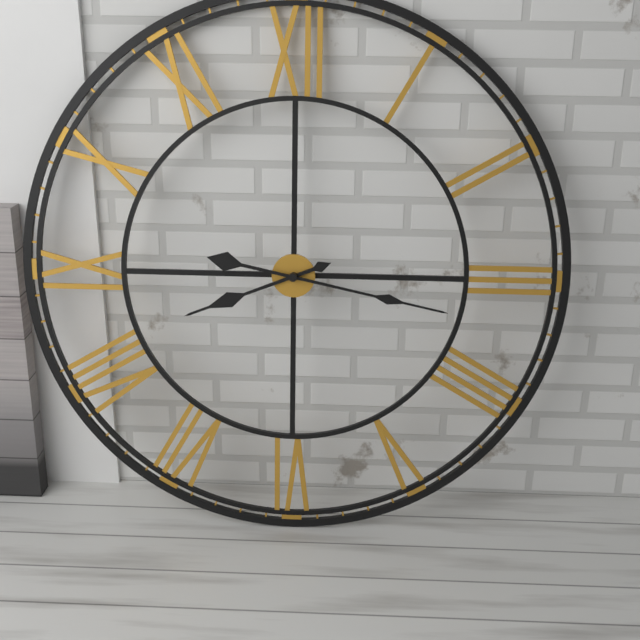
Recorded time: **8:17**
